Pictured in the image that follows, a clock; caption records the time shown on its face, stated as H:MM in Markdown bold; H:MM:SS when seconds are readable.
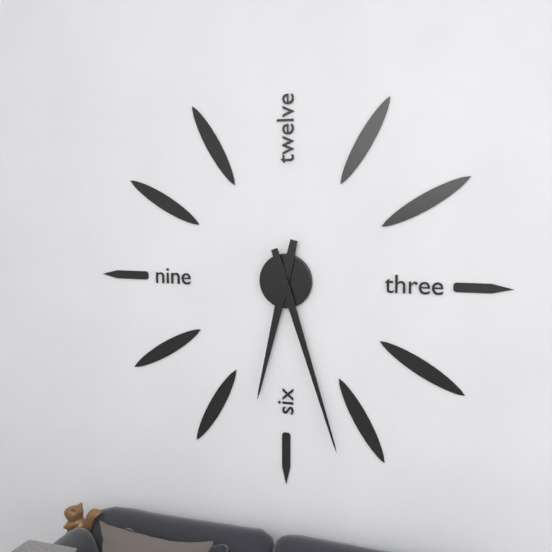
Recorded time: **6:27**
